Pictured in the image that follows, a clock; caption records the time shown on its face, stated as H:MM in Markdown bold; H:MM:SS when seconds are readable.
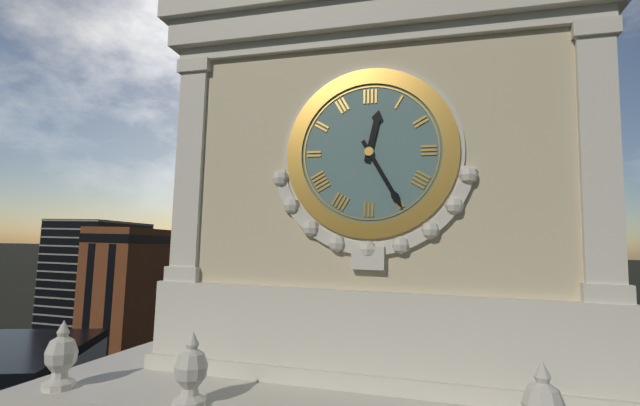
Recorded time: **12:25**
